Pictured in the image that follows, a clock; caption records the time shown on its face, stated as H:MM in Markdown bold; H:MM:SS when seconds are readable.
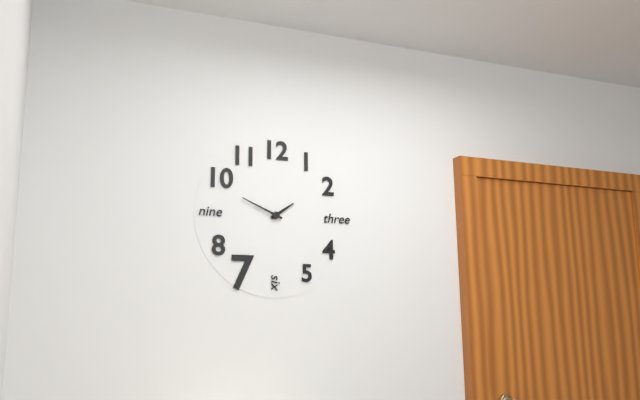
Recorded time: **1:49**
